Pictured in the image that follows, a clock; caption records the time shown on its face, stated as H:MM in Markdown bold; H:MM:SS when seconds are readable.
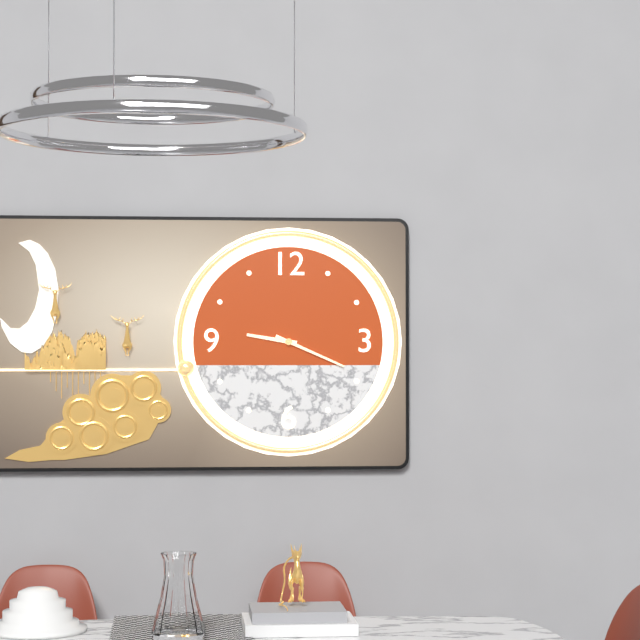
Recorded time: **9:19**
